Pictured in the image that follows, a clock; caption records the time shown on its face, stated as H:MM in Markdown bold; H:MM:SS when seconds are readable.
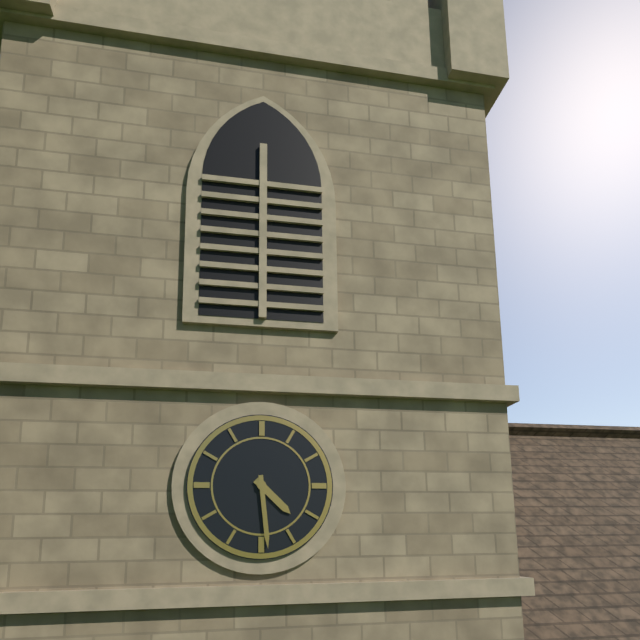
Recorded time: **4:29**
